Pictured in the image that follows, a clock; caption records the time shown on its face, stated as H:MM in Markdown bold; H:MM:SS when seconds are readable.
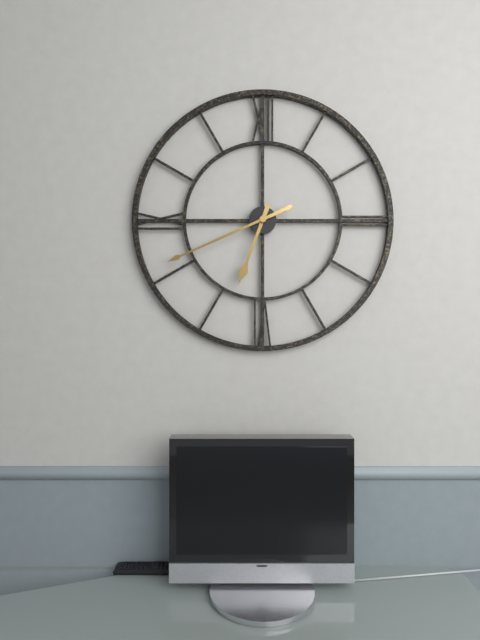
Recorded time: **6:41**
